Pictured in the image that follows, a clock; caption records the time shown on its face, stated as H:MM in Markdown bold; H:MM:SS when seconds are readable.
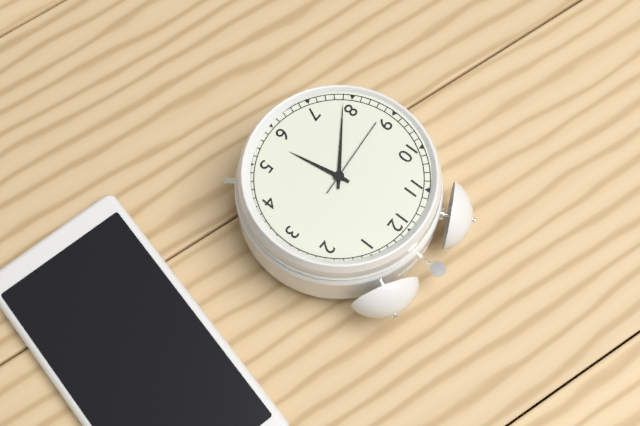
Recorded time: **5:39:44**
